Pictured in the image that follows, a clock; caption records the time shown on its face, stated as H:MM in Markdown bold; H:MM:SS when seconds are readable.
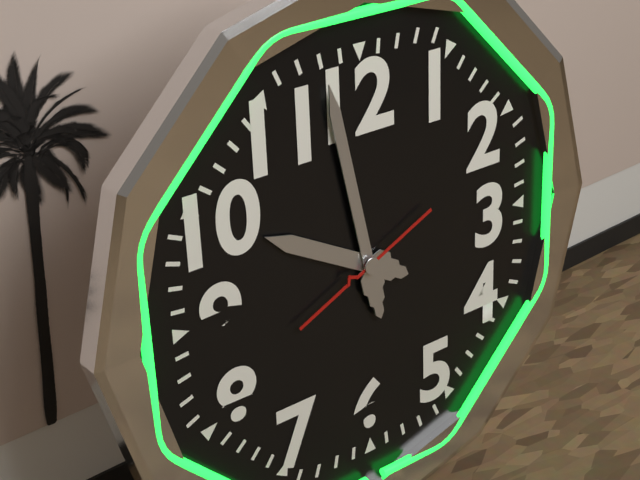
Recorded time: **9:58:41**
